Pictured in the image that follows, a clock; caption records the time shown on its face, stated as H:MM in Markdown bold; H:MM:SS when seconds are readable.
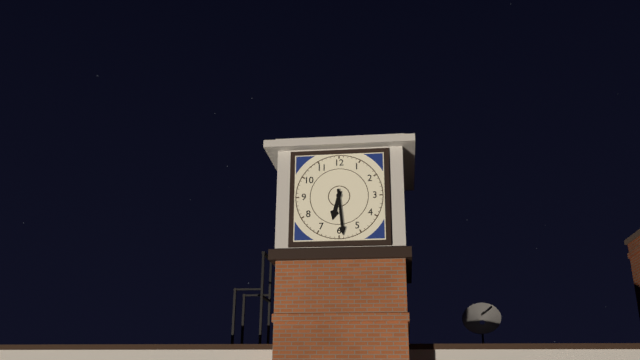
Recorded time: **6:29**
